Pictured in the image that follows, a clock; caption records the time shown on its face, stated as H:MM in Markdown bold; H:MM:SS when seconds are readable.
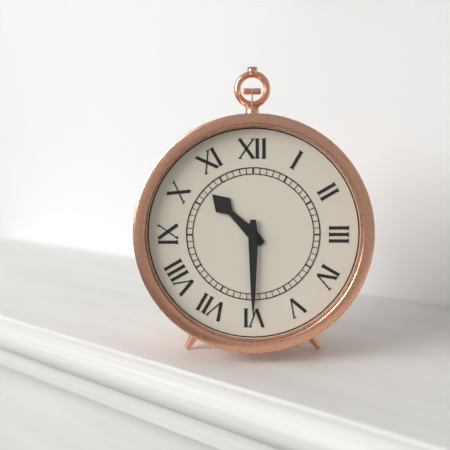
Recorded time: **10:30**
